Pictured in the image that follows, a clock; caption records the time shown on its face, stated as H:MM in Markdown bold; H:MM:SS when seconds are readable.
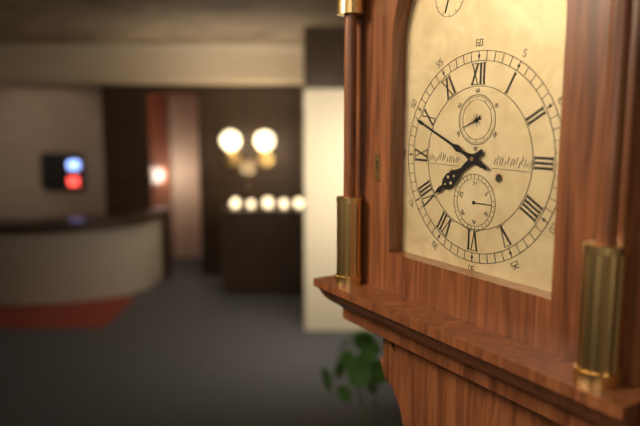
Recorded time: **7:49**
